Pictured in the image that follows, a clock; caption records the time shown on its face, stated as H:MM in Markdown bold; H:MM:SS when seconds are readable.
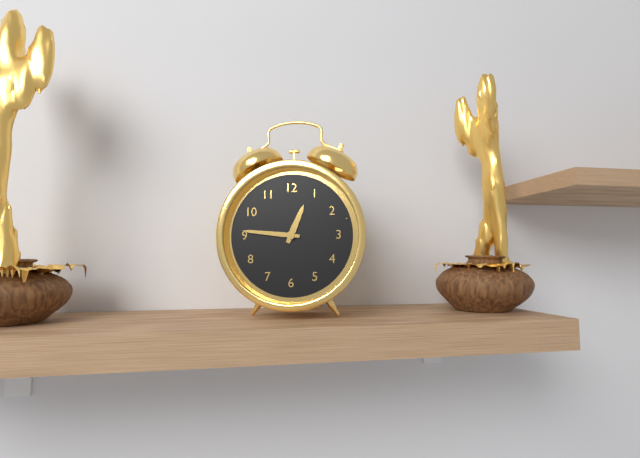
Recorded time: **12:46**
